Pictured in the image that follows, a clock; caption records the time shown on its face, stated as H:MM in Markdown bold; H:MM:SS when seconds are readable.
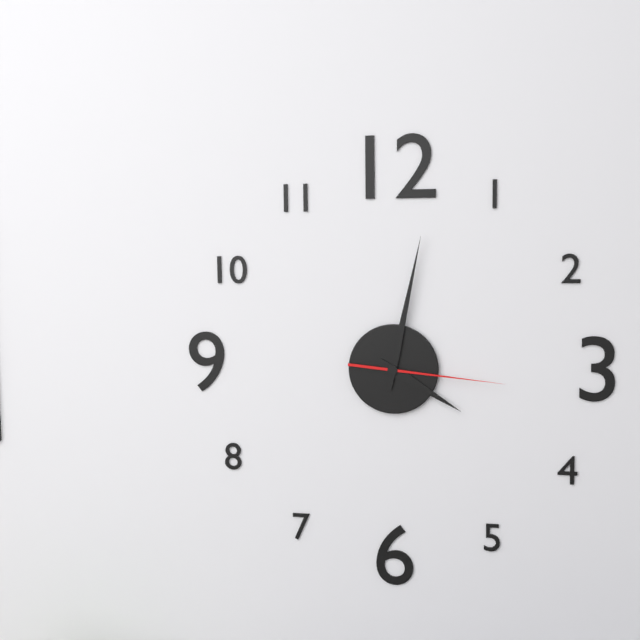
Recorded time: **4:02:16**
